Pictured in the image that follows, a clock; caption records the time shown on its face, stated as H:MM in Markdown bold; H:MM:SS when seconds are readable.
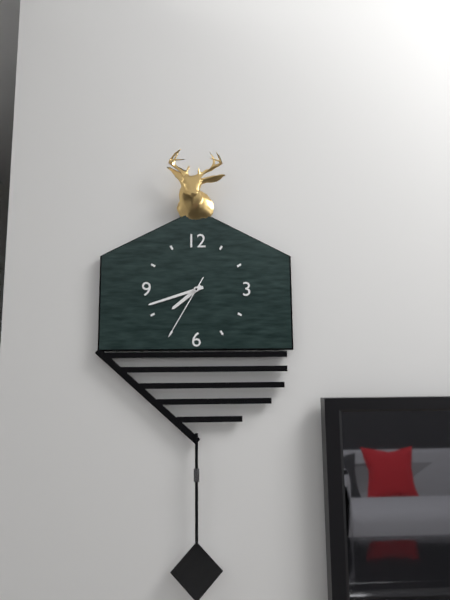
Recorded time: **7:42:35**
